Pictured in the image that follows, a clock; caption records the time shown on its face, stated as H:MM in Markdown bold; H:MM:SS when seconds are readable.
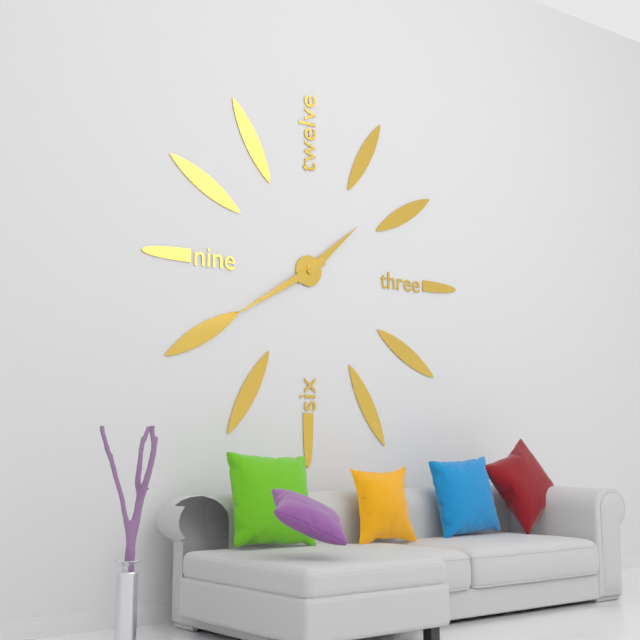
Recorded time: **1:40**
